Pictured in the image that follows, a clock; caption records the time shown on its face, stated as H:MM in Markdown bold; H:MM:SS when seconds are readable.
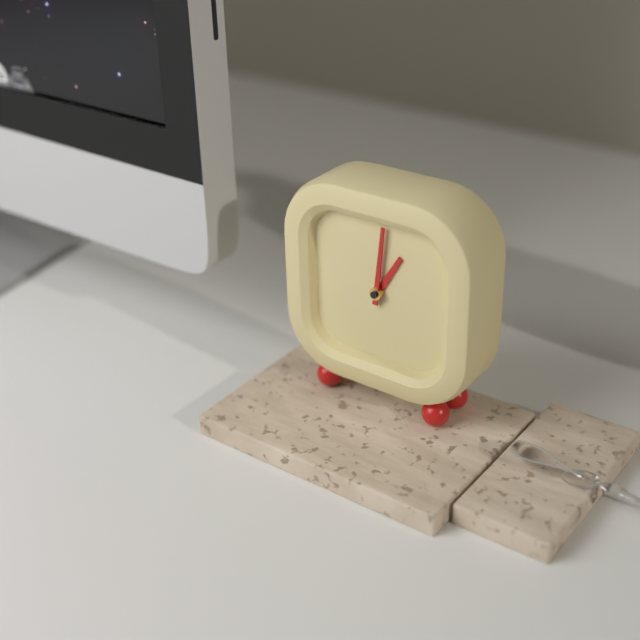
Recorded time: **1:01**
